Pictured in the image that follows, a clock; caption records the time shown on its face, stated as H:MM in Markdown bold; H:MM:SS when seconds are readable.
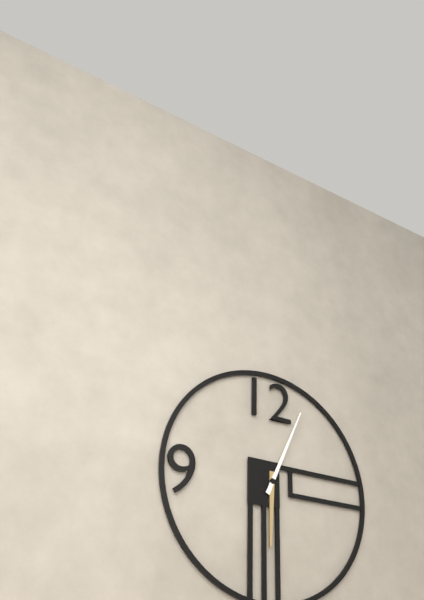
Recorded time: **6:04**
